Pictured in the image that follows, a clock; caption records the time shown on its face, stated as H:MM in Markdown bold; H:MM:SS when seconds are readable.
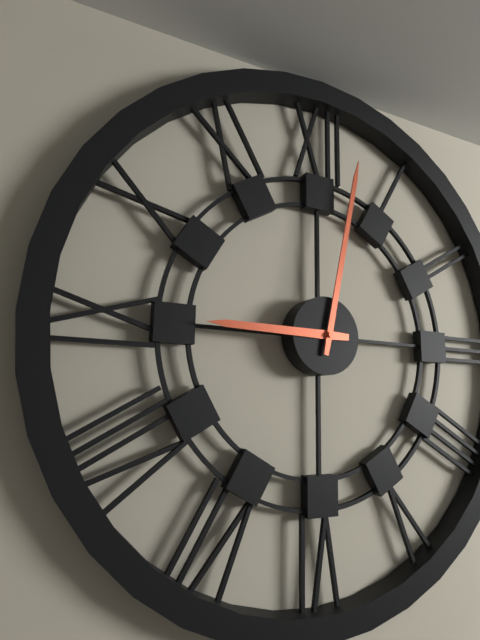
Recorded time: **9:02**
